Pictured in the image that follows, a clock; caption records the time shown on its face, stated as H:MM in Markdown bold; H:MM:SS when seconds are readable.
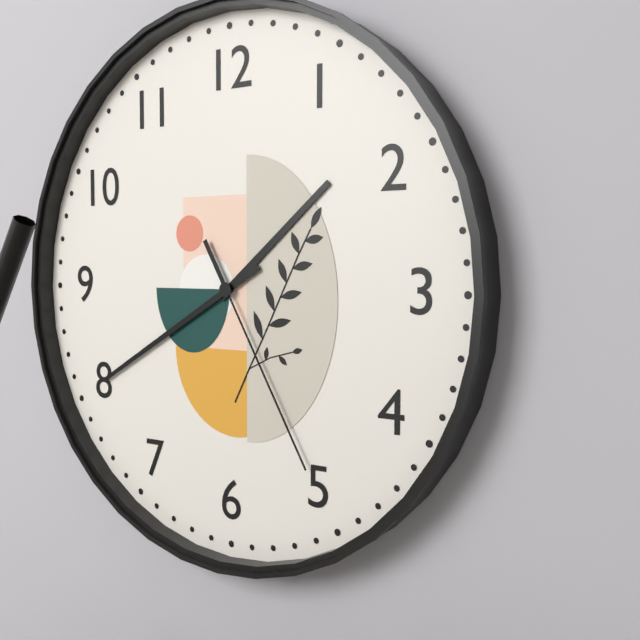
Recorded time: **1:40:25**
